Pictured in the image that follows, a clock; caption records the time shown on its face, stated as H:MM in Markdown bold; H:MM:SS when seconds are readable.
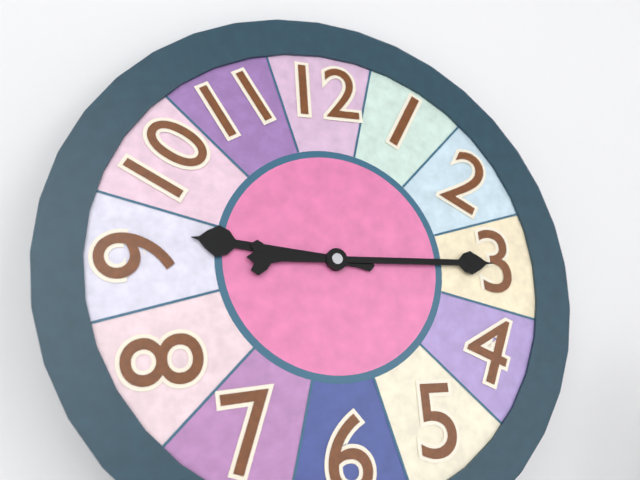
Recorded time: **9:15**
